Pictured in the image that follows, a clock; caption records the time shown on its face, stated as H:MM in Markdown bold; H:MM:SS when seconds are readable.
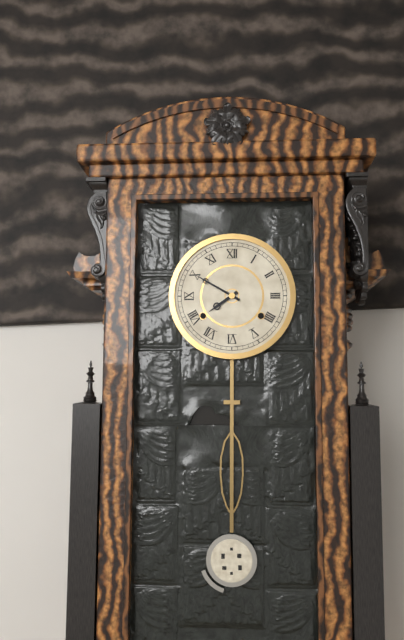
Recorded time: **7:50**
